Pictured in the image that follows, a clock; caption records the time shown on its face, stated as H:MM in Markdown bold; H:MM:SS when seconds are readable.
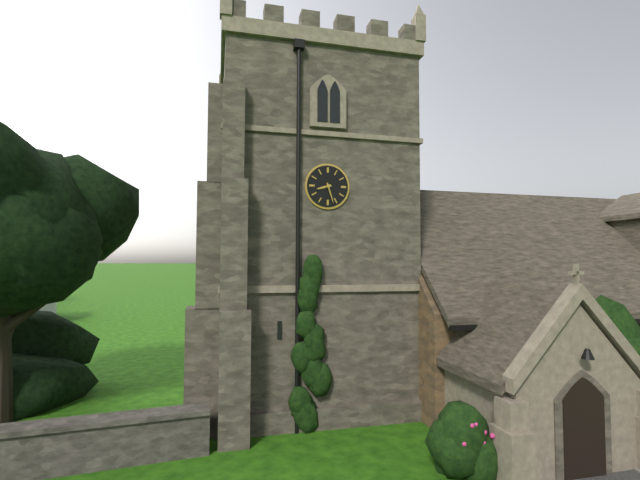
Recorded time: **8:27**
